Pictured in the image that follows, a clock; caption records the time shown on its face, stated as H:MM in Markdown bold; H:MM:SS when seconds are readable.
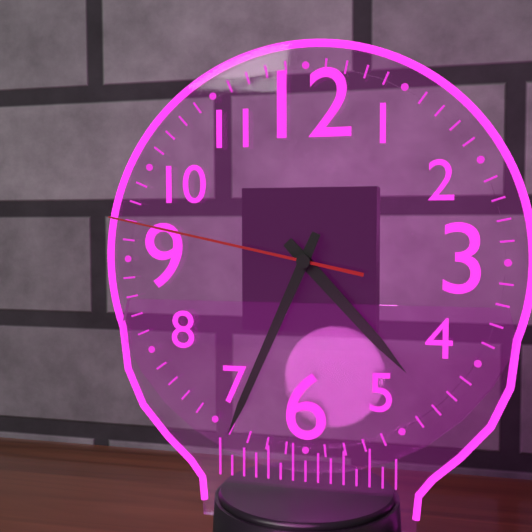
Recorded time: **4:34:47**
